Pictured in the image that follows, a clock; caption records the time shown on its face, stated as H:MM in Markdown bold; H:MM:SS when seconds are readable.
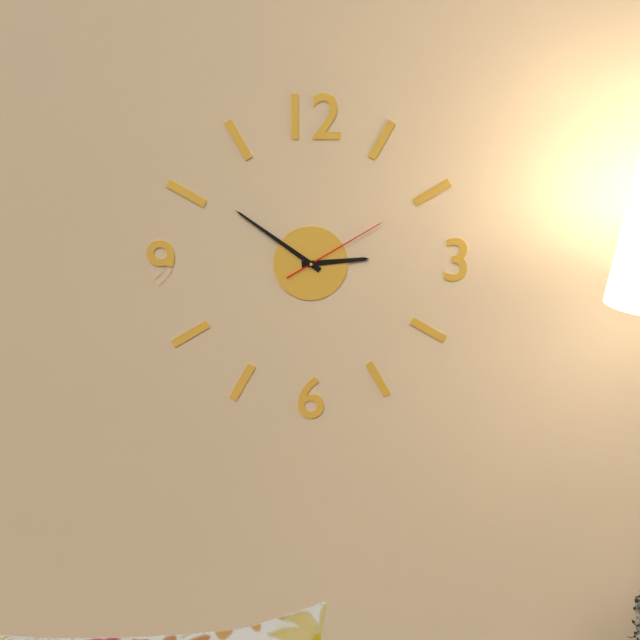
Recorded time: **2:51:10**
